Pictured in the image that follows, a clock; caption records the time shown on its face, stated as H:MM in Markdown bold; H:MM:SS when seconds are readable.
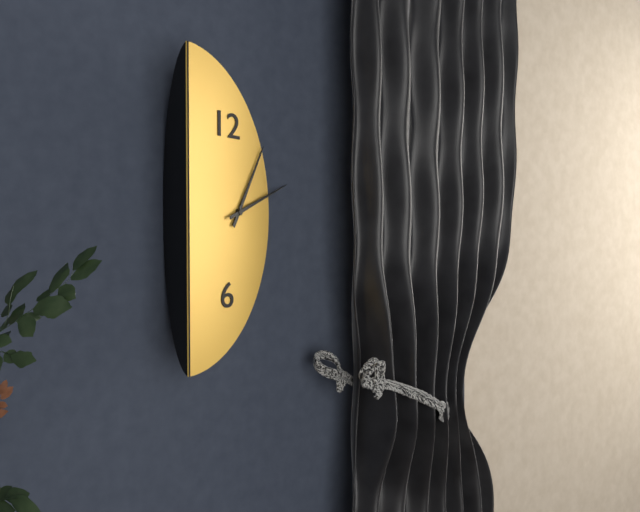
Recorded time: **1:12**
